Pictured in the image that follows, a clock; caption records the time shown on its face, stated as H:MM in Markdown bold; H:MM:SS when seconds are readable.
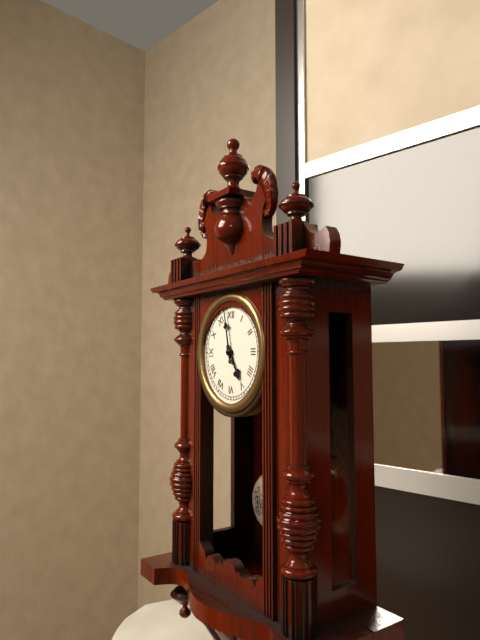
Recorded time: **4:58**
